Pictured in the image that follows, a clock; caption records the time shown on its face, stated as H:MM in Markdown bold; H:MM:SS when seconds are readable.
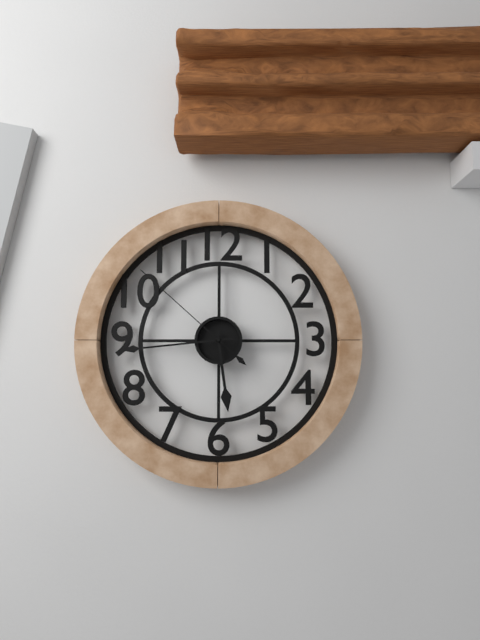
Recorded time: **5:44:52**
